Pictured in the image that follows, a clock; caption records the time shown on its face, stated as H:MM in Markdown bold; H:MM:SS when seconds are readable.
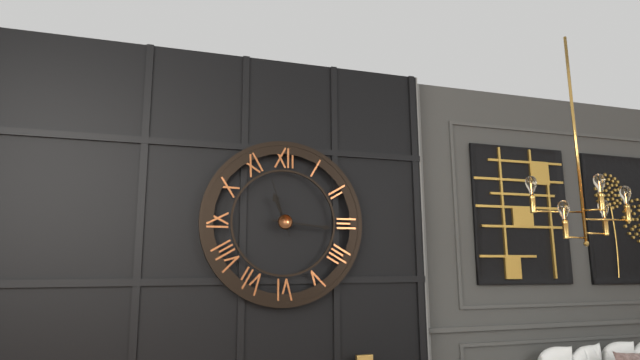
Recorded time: **11:16:57**
